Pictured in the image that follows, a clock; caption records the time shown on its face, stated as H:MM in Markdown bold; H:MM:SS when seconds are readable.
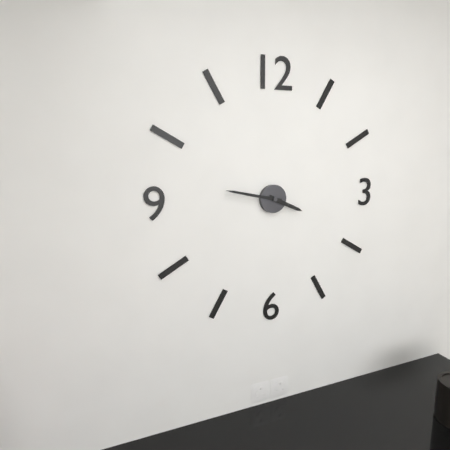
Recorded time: **3:47**
